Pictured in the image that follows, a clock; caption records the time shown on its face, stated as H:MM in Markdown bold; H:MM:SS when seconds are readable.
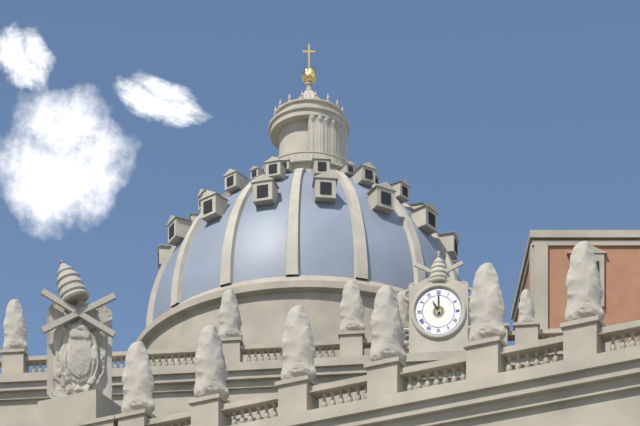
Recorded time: **11:00**
